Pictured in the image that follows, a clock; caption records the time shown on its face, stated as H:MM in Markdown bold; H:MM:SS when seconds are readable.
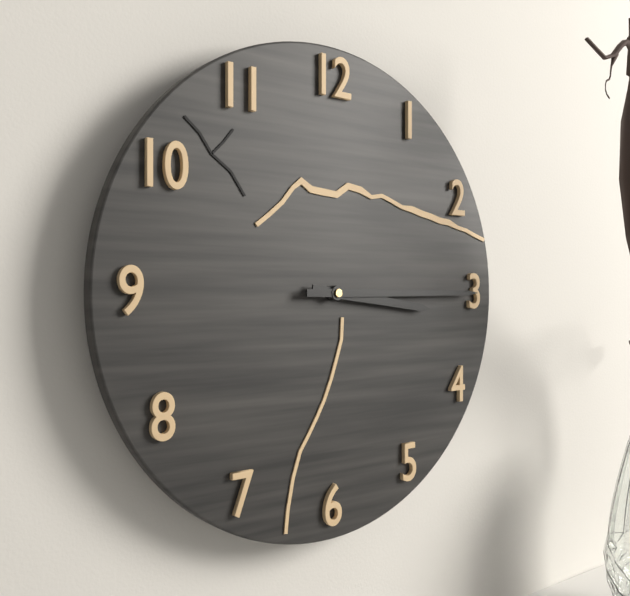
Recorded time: **3:15**
